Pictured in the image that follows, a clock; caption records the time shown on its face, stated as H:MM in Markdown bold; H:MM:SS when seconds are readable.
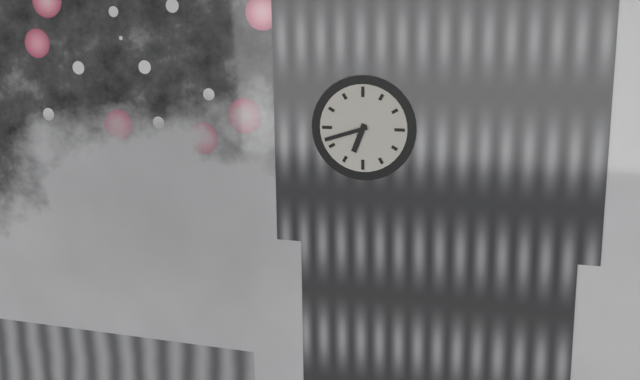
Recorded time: **6:42**
